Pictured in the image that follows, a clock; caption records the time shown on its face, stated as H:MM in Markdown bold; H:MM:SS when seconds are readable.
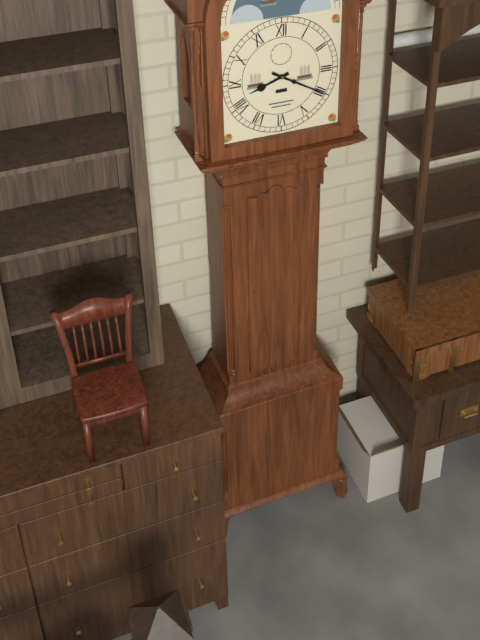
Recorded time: **8:20**
